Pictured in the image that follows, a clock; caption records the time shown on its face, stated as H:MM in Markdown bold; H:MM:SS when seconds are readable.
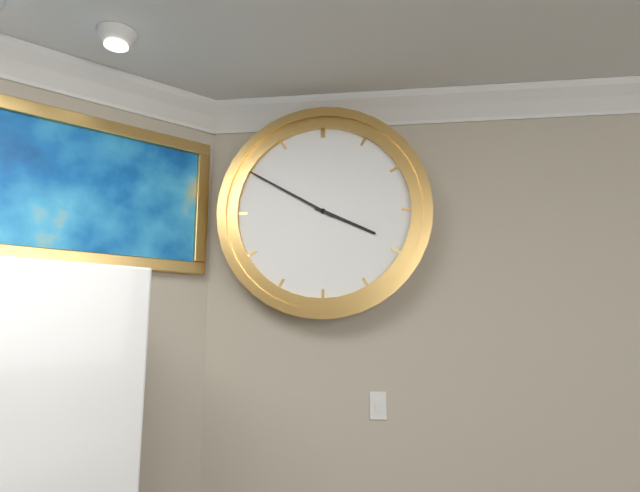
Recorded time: **3:50**
